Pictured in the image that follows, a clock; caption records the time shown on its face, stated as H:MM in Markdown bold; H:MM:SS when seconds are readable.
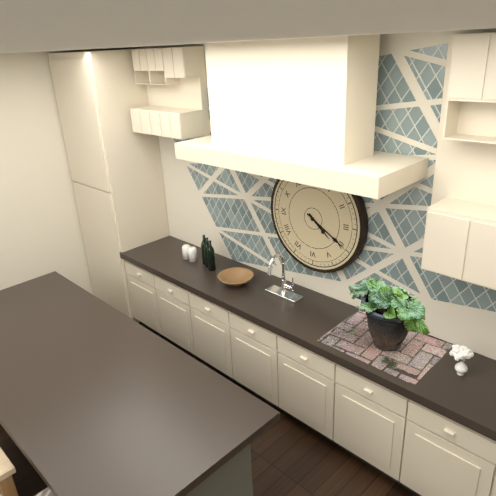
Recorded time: **4:20**
